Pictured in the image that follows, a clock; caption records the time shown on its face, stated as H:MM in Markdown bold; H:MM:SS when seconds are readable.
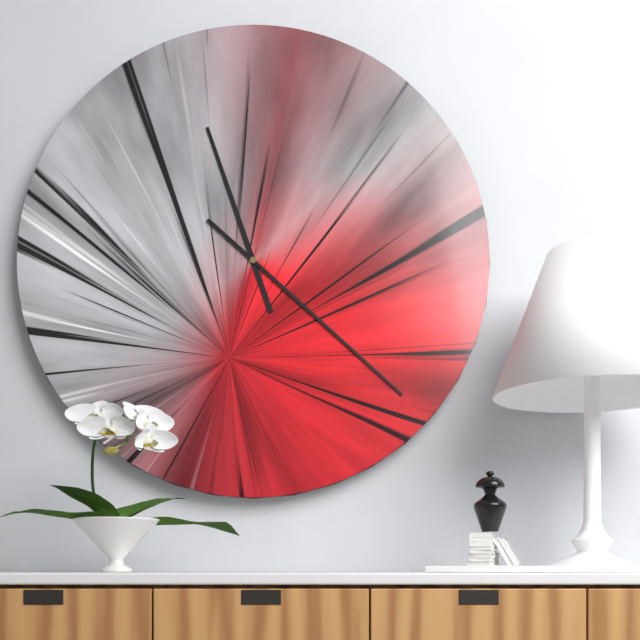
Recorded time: **11:22**
